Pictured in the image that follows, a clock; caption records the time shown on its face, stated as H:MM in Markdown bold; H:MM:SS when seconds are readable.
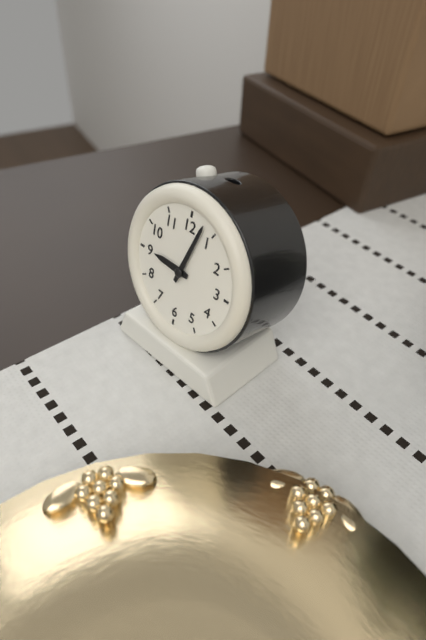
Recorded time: **9:03**
